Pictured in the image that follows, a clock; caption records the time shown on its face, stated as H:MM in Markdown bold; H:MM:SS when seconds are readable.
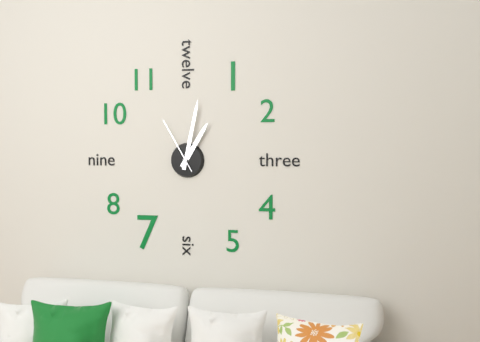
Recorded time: **1:02:55**
